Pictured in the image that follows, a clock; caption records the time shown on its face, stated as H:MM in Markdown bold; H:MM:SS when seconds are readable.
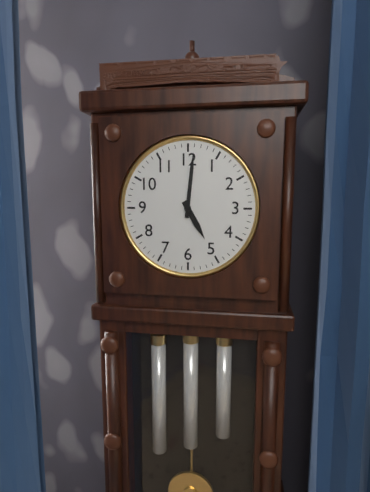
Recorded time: **5:01**
